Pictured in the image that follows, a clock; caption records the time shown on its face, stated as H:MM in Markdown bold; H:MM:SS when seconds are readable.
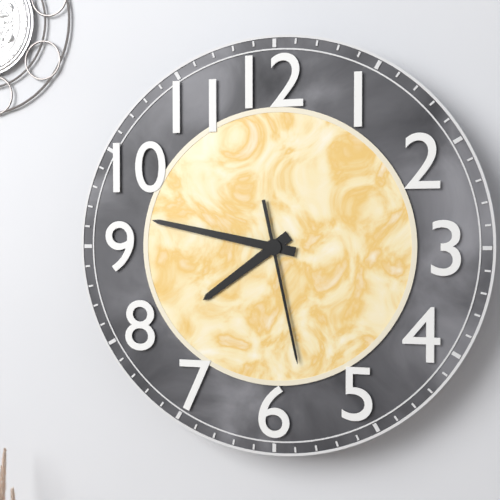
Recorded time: **7:47:28**
